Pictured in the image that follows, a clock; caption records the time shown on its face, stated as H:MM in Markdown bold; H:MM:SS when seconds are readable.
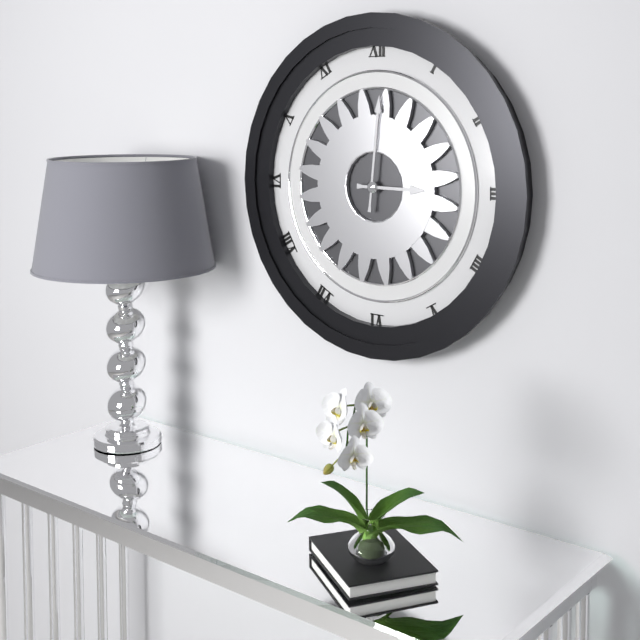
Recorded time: **3:01**
